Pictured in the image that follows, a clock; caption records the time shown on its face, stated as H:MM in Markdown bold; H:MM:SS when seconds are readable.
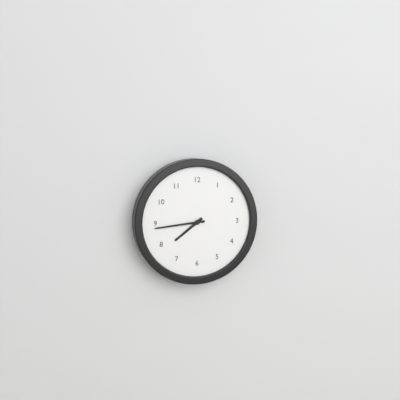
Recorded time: **7:44**
